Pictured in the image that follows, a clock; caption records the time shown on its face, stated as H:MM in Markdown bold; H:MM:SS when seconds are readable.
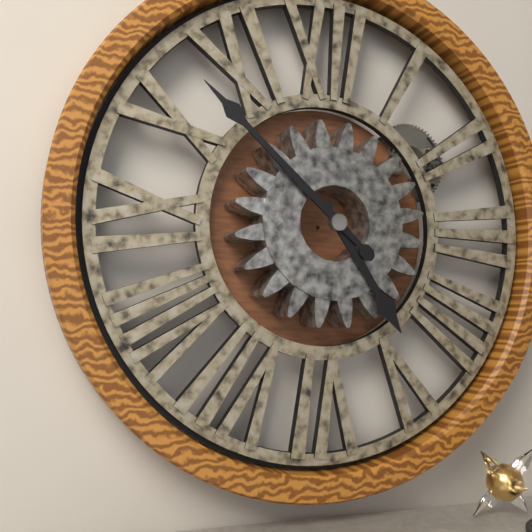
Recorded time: **4:52**
